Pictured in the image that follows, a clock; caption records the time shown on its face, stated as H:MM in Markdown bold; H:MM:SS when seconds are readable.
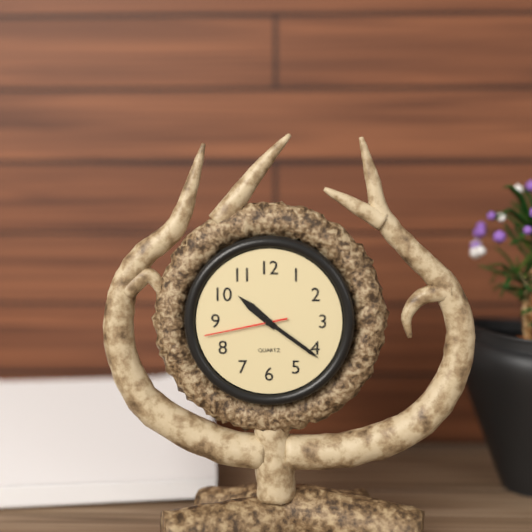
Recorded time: **10:21:43**
